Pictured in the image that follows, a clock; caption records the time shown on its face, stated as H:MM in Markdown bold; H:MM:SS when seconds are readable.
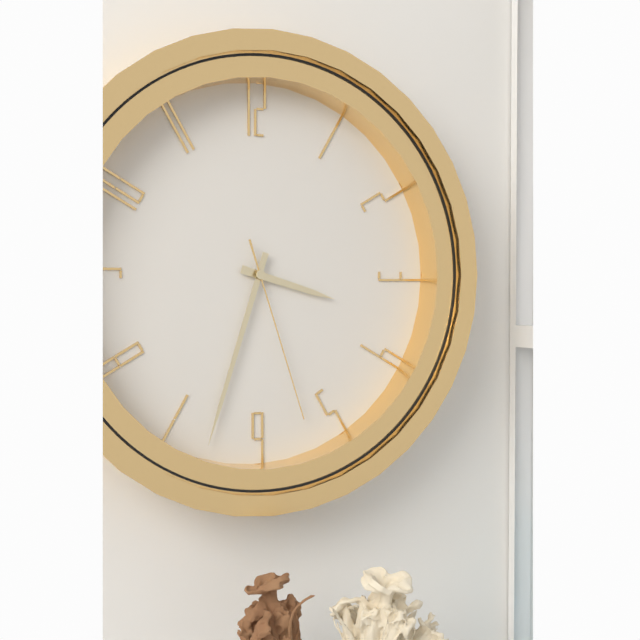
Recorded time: **3:33:27**
